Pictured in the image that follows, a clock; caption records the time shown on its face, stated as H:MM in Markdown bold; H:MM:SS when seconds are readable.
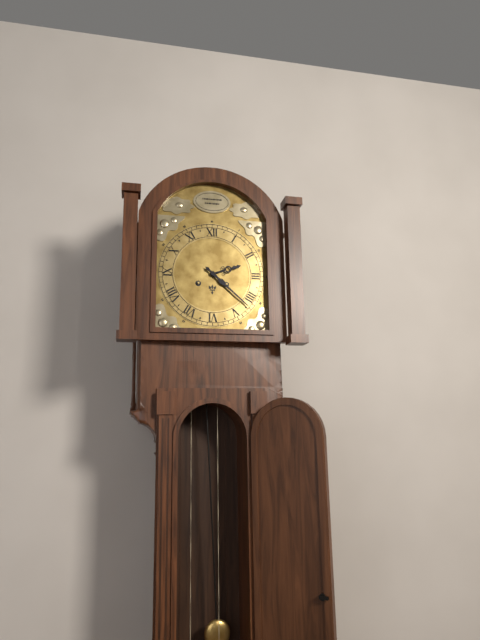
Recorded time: **2:22**
